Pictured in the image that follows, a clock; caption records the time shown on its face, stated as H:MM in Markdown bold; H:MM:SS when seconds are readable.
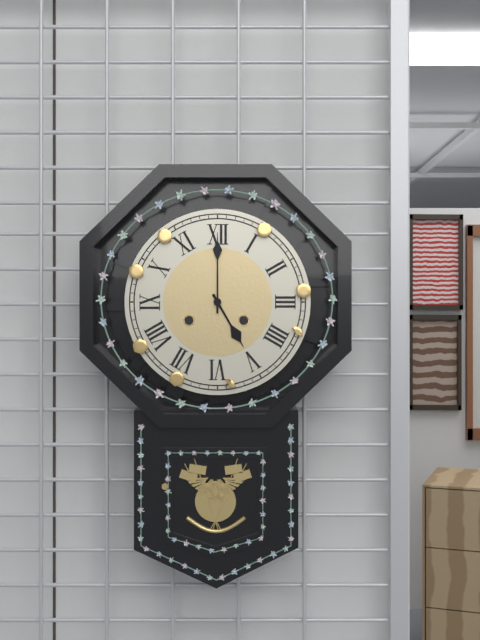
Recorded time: **5:00**
